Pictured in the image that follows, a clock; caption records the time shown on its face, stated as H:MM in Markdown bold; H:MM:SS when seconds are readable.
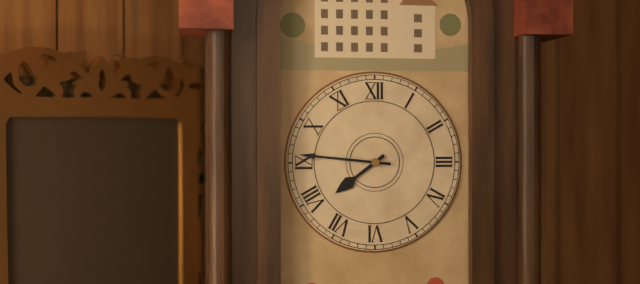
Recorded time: **7:46**
